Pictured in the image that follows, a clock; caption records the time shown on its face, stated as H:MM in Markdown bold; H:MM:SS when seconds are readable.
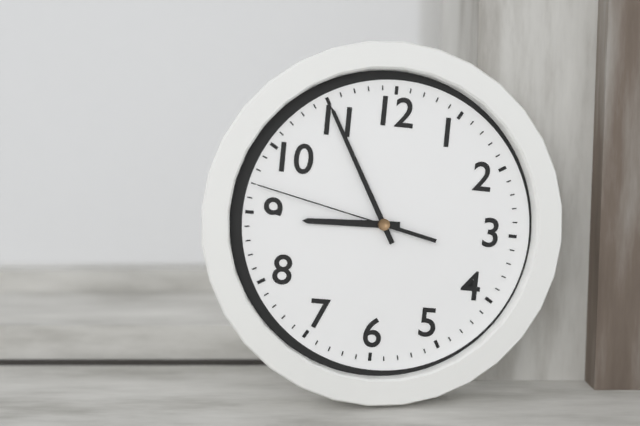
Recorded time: **8:55:47**
